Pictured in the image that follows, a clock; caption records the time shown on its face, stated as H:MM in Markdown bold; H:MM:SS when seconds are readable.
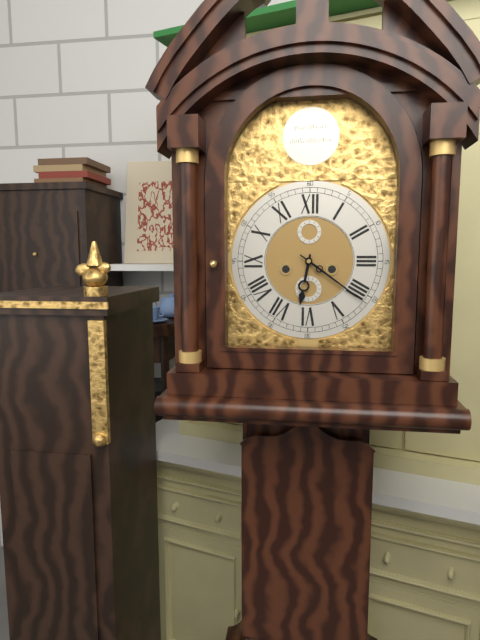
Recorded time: **6:21**
